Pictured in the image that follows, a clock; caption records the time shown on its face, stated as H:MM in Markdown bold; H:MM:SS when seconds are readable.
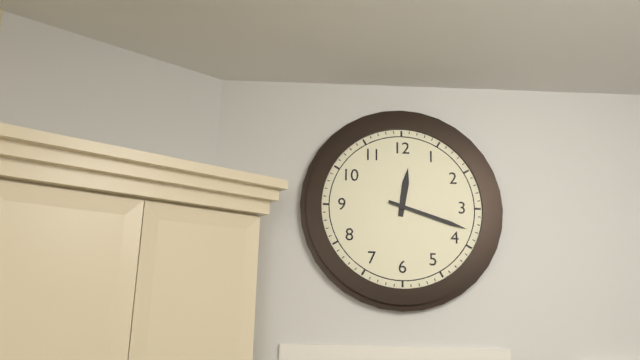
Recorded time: **12:18**
